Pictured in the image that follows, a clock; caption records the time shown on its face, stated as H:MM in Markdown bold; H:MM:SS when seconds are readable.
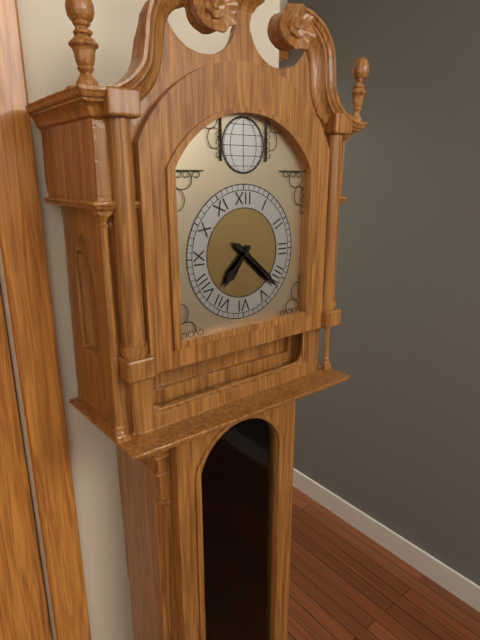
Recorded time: **7:22**
